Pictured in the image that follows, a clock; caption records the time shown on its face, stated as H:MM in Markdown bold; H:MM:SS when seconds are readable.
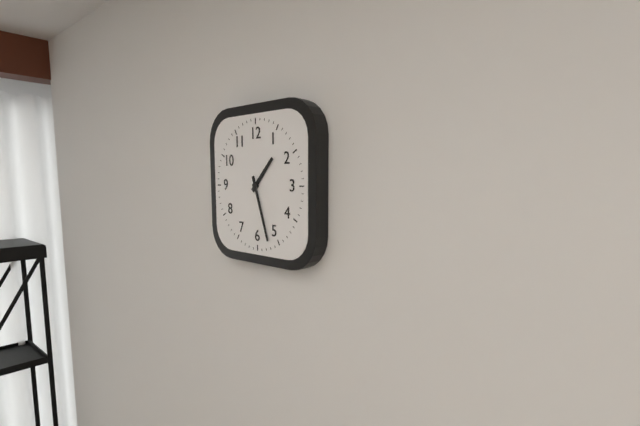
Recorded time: **1:27**
